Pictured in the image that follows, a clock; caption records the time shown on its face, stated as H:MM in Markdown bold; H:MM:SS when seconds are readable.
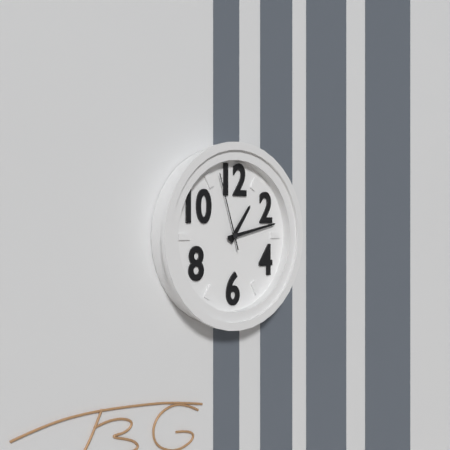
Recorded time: **1:13:57**
